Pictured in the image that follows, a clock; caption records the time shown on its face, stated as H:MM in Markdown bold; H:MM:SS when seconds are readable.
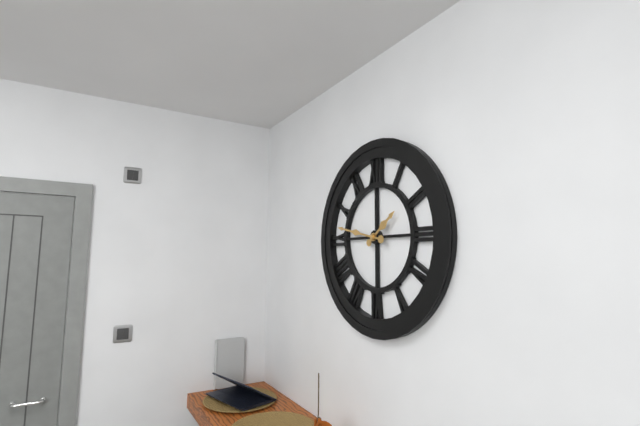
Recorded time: **1:47**
